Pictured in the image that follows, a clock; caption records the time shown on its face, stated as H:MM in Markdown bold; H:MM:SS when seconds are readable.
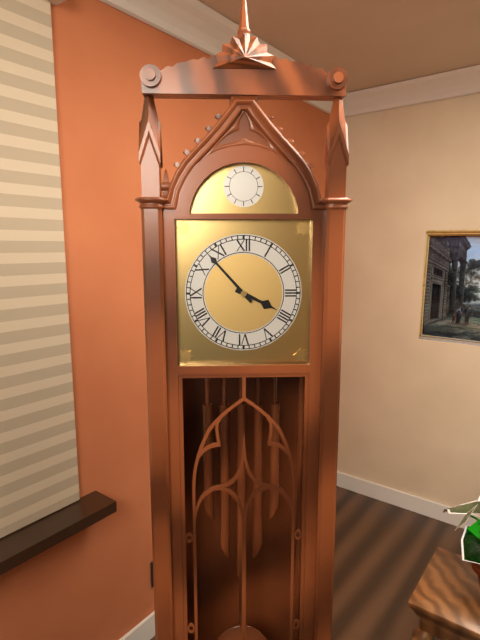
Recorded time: **3:53**
